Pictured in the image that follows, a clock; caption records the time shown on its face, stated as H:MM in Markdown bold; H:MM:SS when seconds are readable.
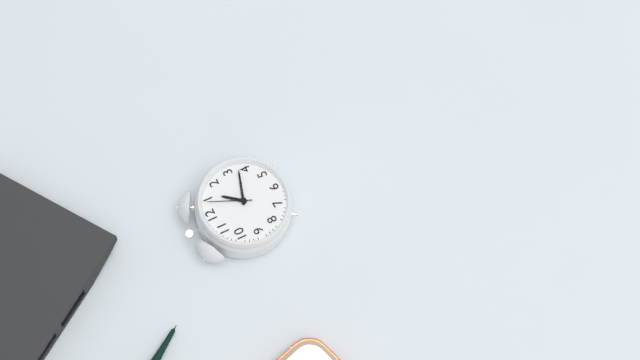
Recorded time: **1:18**
